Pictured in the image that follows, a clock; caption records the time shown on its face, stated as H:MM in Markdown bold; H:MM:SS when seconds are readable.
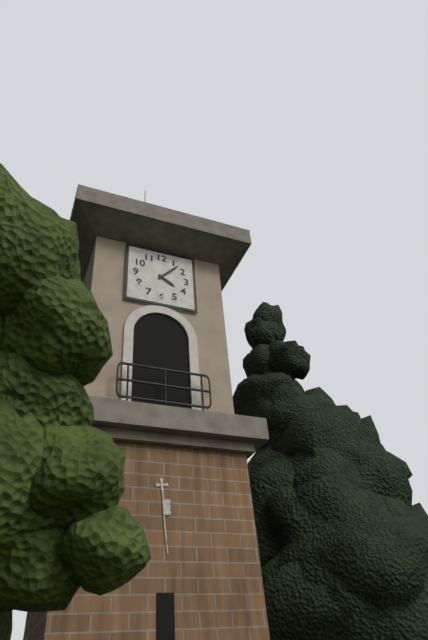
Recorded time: **4:07**
